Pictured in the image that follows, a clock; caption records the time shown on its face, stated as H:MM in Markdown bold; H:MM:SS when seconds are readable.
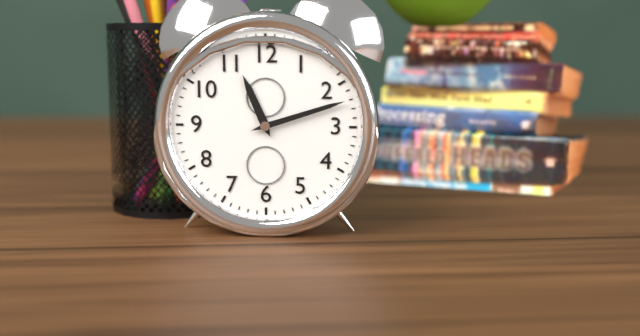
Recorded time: **11:12**
